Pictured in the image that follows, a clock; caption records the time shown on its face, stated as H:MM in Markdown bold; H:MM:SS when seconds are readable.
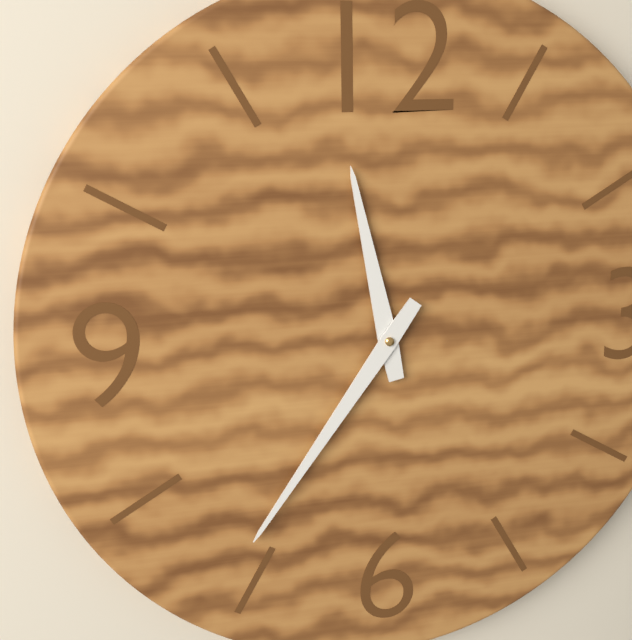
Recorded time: **11:36**
